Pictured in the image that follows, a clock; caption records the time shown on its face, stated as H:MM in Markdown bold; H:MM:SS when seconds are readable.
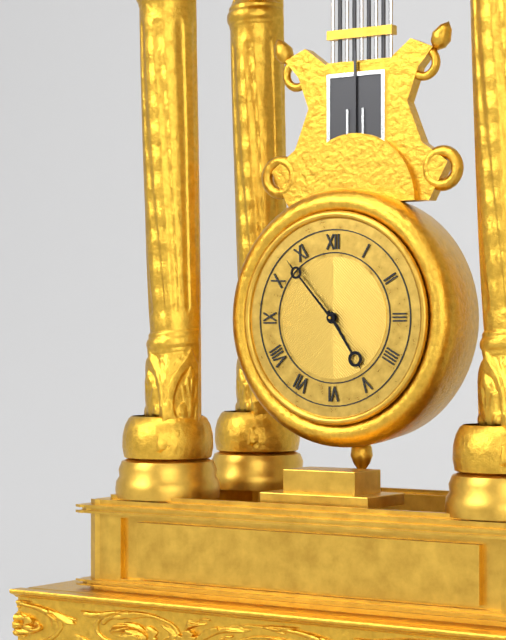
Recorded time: **4:53**
